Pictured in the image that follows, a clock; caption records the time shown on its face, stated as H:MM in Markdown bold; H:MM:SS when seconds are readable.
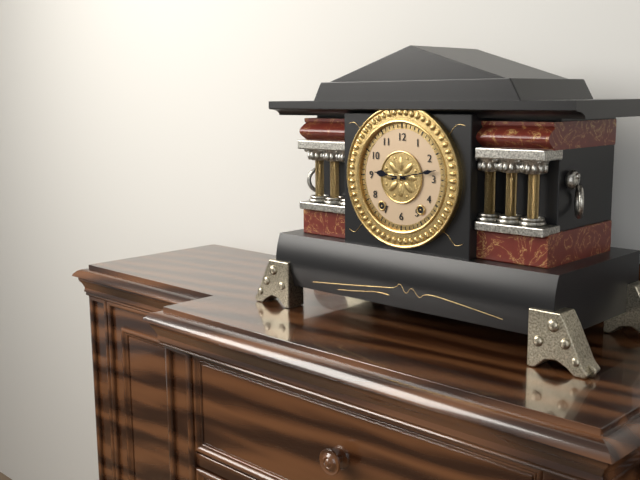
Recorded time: **9:13**
